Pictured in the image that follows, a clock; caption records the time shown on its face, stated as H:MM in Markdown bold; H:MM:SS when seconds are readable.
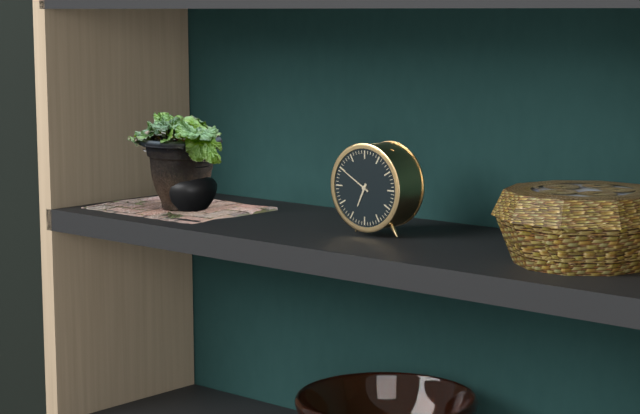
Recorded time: **6:50**
